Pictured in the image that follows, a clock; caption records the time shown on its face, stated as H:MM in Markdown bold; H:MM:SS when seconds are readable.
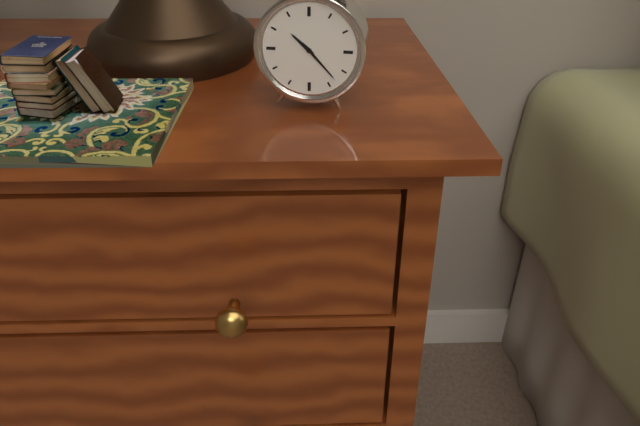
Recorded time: **10:23**
